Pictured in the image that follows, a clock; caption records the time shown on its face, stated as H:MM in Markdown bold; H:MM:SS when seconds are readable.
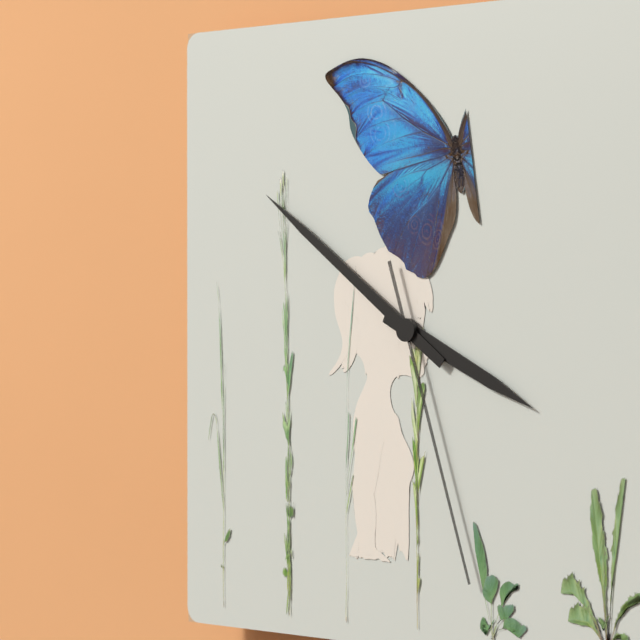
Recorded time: **3:51:27**
